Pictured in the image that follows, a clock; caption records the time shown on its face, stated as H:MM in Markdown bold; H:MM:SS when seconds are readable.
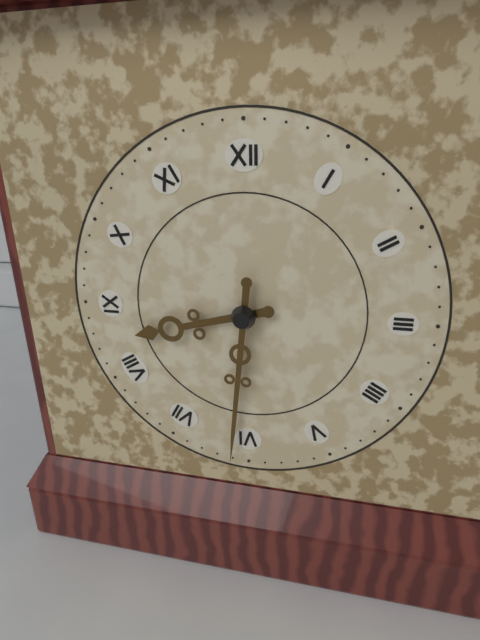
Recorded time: **8:31**
